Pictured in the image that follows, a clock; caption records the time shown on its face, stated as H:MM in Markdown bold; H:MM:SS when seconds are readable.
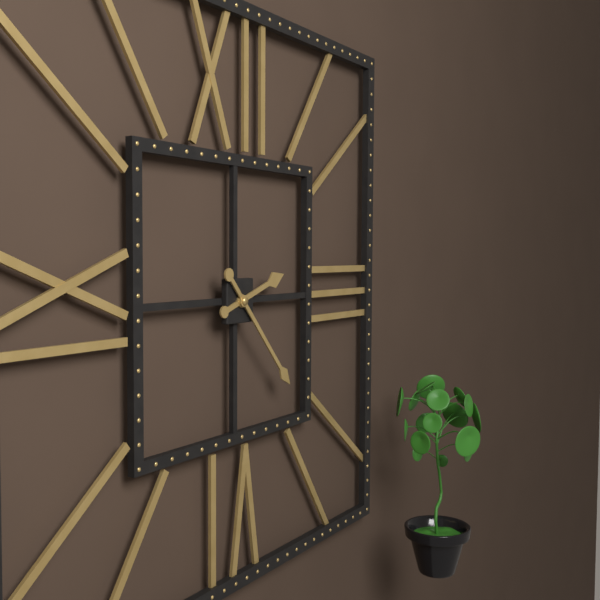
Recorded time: **2:23**
